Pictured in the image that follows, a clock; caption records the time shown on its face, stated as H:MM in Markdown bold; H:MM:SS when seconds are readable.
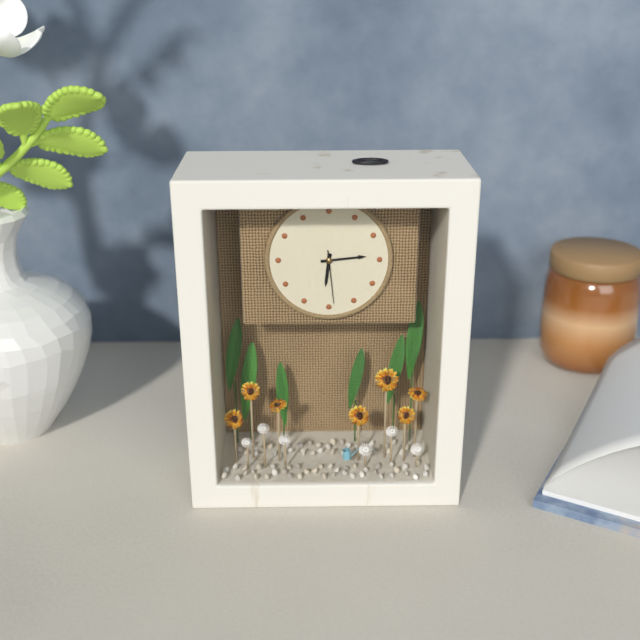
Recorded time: **6:14:29**
